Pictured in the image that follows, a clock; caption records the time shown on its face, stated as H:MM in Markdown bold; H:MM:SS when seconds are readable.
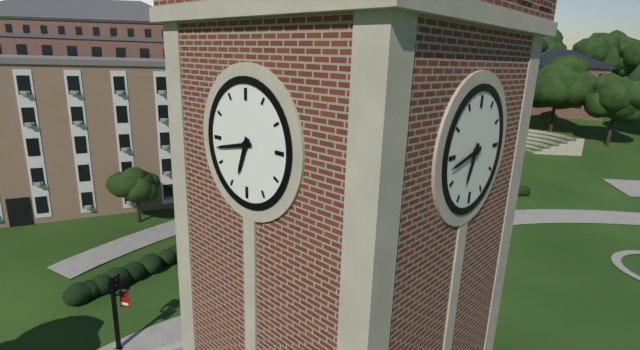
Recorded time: **6:43**
